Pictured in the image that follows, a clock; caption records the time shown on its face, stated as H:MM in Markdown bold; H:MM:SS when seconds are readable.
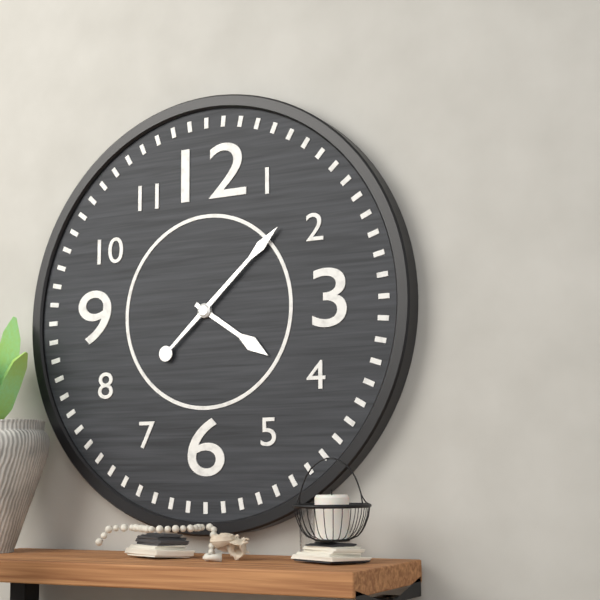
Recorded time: **4:08**
